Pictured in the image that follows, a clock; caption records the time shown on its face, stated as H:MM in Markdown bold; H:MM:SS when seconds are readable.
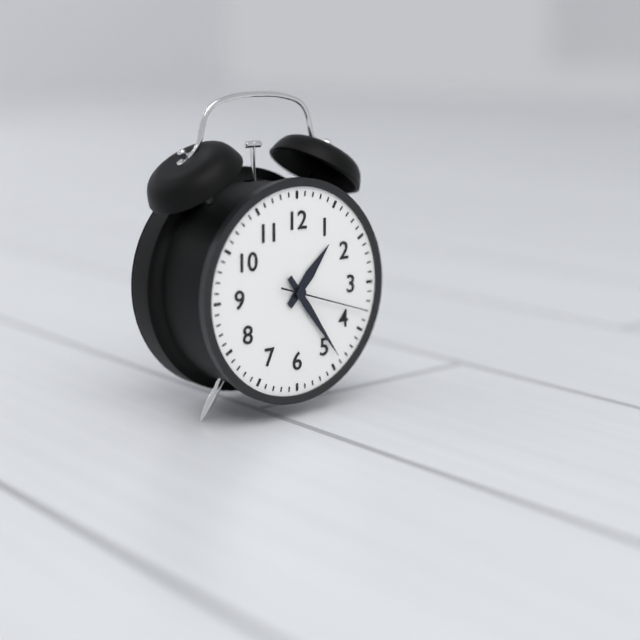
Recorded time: **1:24:18**
